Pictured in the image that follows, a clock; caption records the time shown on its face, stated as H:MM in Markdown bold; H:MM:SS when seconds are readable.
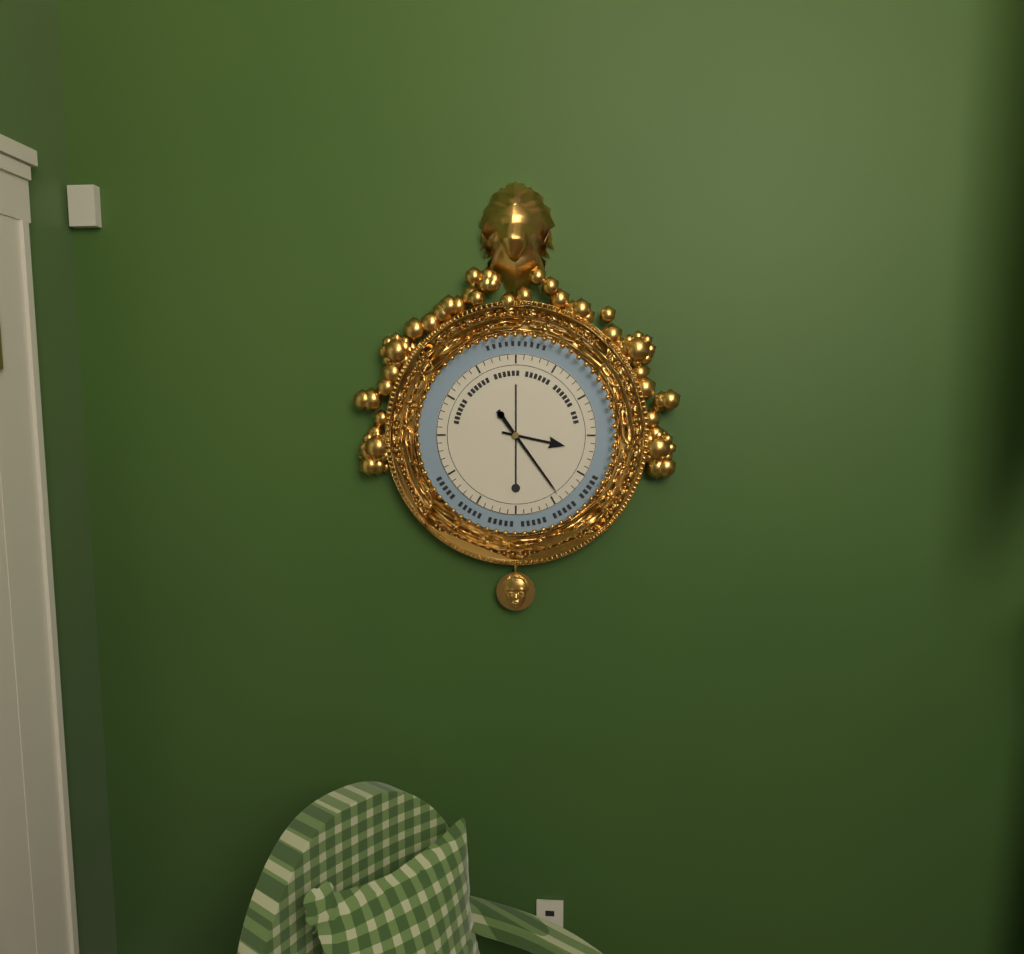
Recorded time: **3:24**
